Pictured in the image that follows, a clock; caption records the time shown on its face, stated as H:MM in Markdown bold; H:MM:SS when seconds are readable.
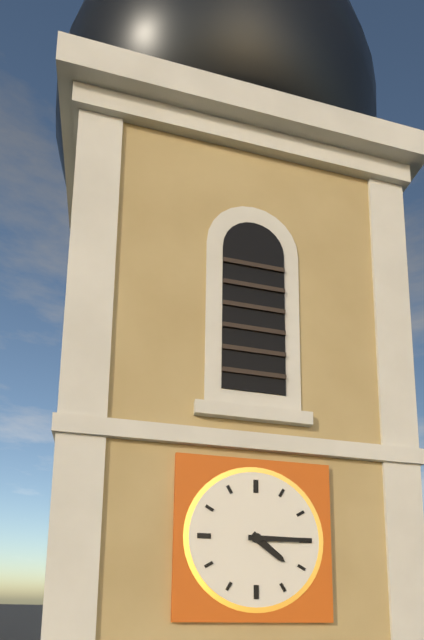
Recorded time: **4:15**
